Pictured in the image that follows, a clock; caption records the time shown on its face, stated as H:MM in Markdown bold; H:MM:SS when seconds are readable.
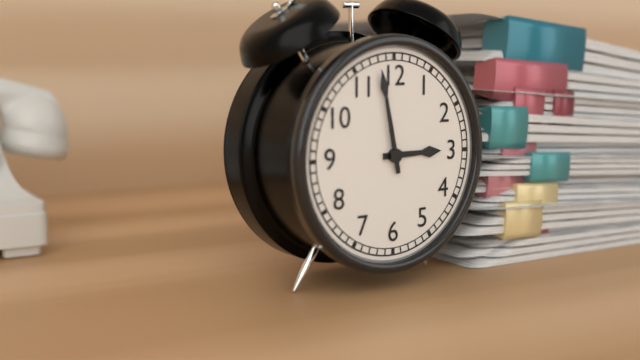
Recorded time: **2:58**
